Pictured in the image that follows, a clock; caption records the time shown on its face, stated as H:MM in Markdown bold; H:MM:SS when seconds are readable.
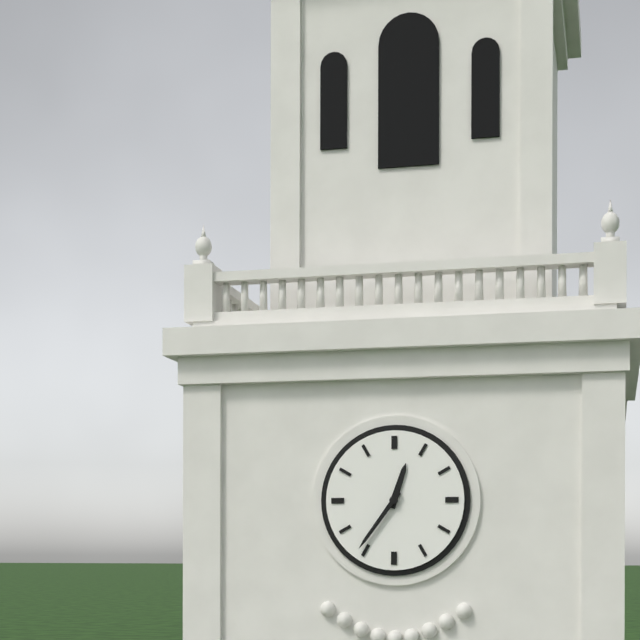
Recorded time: **12:36**
